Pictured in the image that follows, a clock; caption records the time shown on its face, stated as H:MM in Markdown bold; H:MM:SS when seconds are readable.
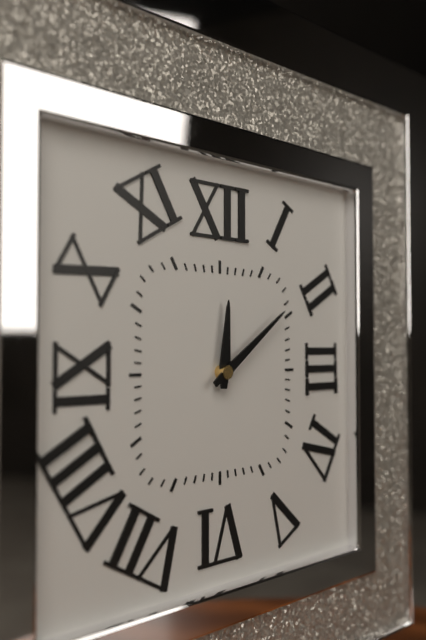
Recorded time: **12:09**
